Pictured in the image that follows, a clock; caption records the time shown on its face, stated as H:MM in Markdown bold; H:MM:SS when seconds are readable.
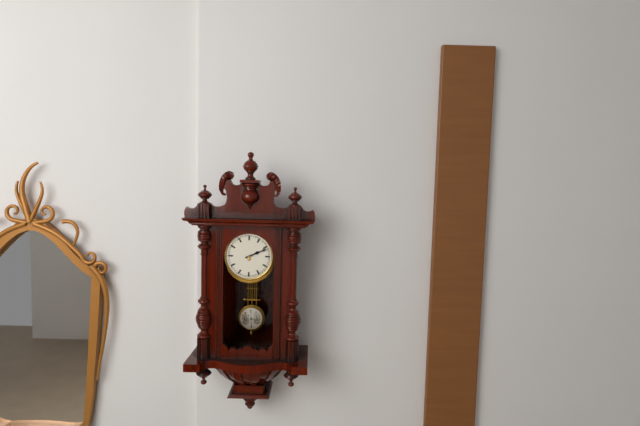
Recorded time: **2:11**
